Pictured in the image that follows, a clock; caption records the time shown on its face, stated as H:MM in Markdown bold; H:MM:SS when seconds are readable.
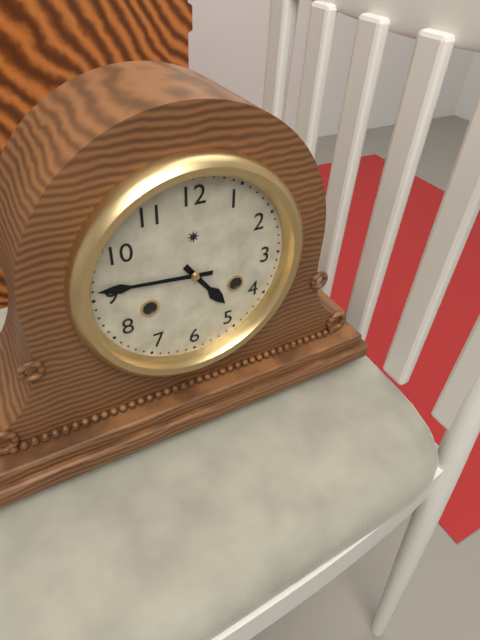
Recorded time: **4:46**
